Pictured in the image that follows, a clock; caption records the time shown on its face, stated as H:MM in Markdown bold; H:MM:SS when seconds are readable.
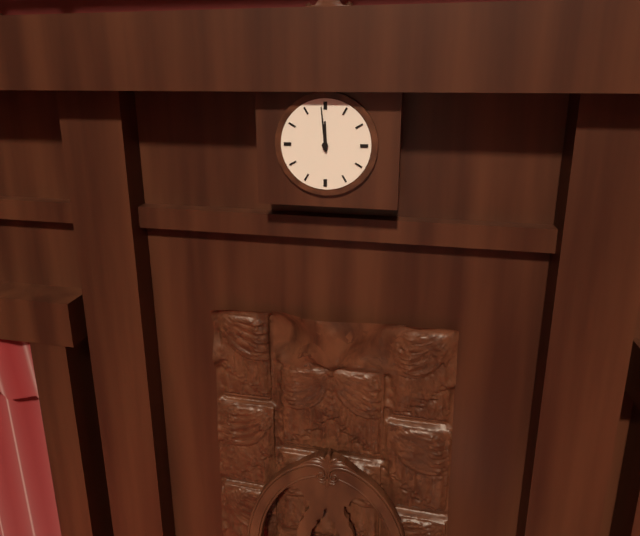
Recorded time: **11:59**
